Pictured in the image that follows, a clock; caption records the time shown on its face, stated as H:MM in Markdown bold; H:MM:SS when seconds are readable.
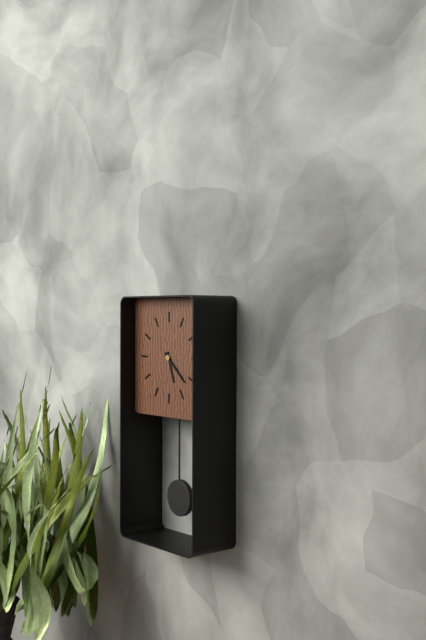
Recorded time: **5:22**
